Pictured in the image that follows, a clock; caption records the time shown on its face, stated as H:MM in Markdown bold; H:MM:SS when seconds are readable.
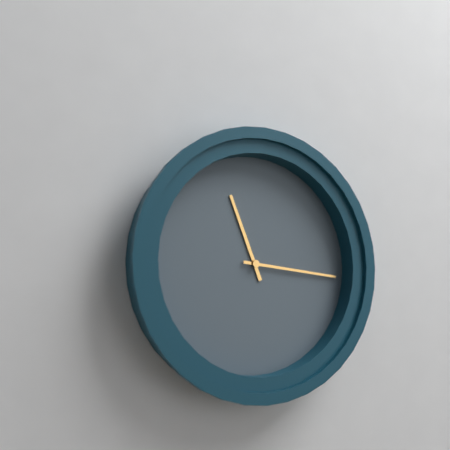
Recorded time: **11:16**
